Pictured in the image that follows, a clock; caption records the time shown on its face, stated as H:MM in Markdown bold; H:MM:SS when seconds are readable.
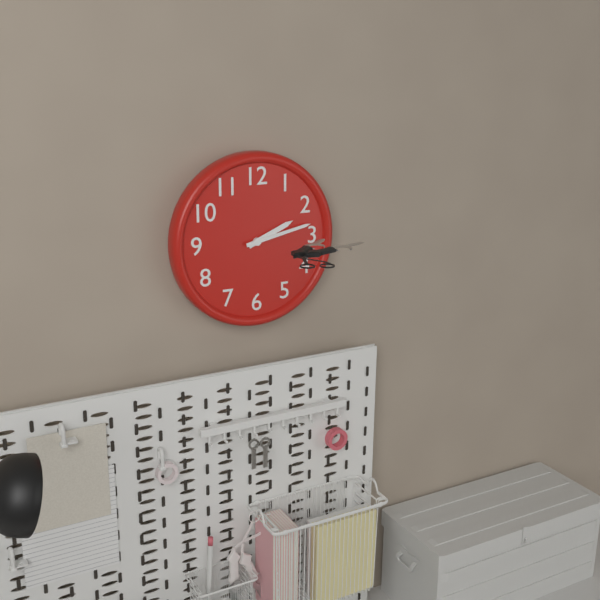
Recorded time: **2:13**
